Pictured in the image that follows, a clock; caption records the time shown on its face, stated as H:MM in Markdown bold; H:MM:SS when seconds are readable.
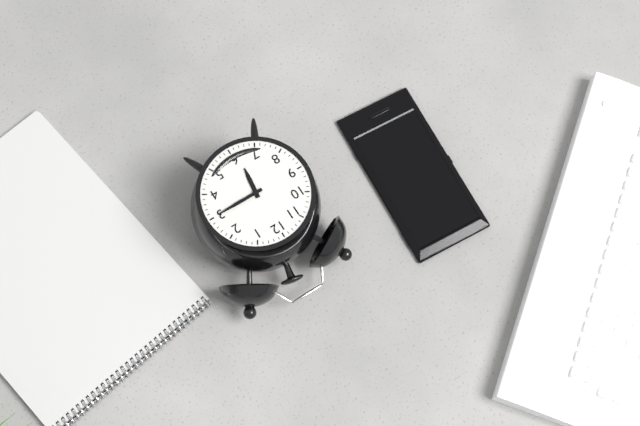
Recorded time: **6:15**
